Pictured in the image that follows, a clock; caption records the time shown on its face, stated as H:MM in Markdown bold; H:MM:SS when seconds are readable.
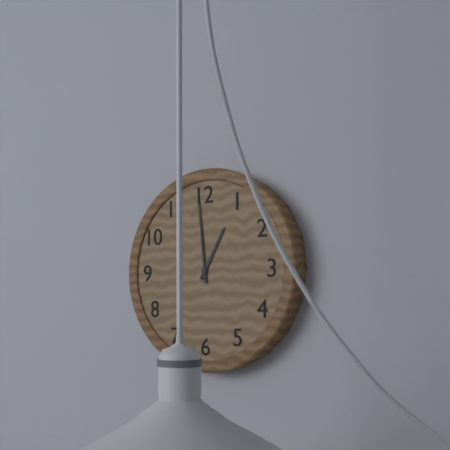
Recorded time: **12:59**
